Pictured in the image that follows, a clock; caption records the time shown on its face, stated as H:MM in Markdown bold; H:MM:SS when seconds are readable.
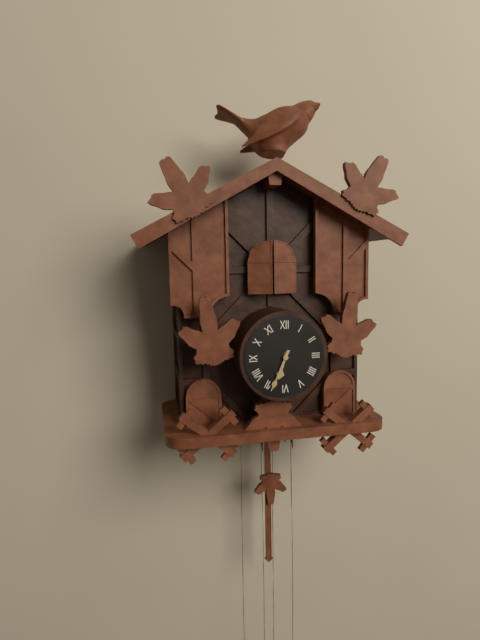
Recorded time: **6:34**
